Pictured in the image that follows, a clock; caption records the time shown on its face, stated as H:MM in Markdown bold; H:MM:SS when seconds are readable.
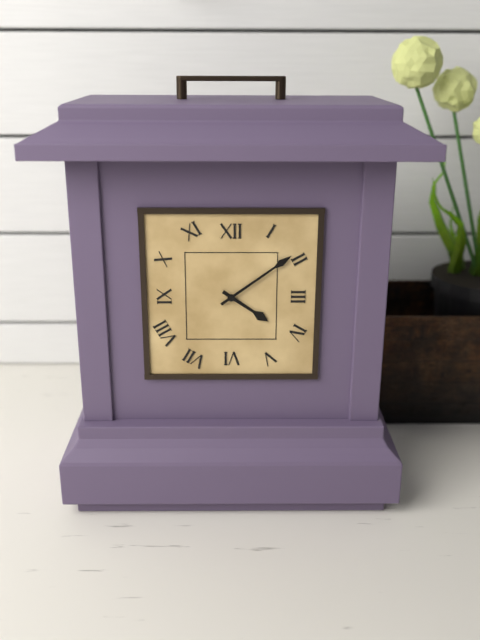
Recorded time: **4:09**
